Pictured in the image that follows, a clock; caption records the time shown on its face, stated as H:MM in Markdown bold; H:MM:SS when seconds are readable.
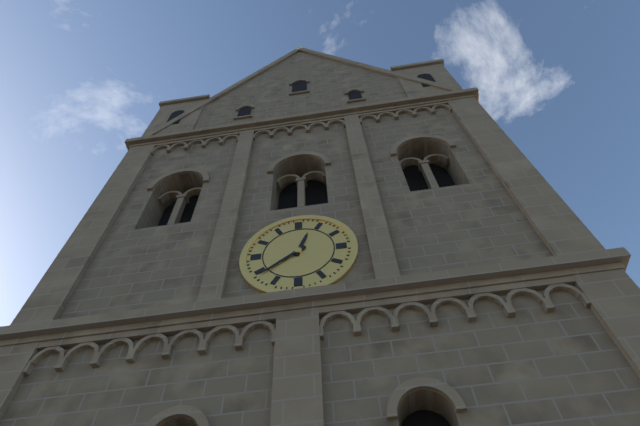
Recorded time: **12:39**
